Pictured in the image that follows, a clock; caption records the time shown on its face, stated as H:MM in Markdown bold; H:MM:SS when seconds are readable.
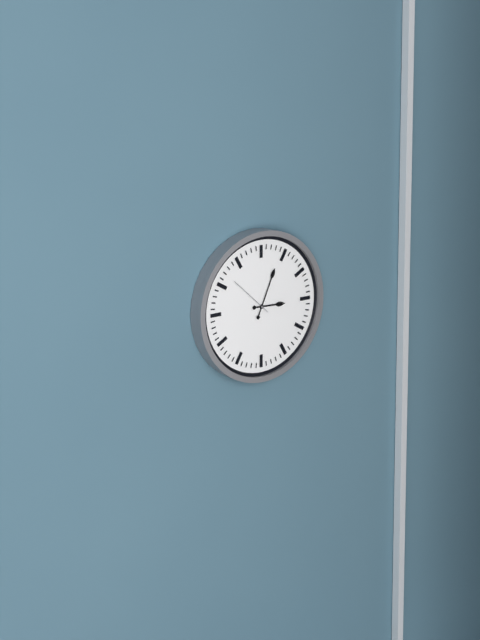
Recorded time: **3:04**
